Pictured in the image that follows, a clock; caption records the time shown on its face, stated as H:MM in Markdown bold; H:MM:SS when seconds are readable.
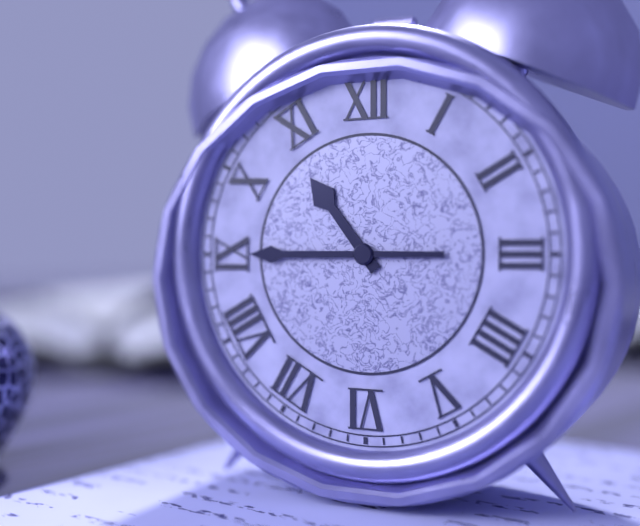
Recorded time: **10:45**
